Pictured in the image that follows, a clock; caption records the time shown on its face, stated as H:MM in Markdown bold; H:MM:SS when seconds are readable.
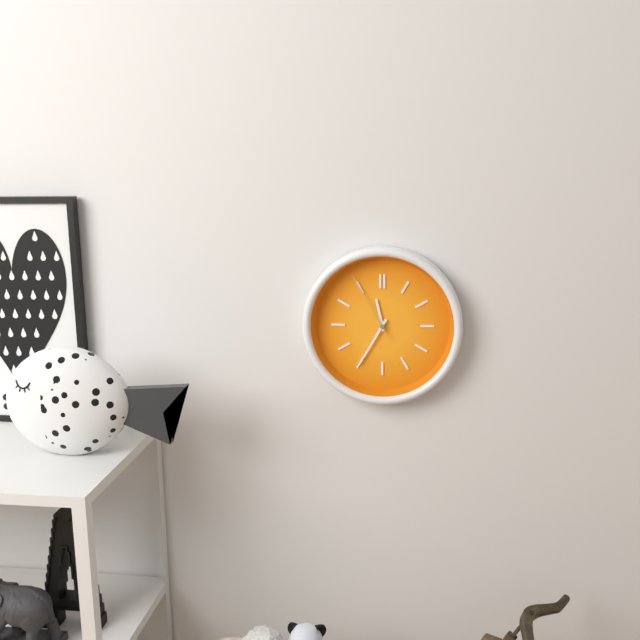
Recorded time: **11:35:55**
